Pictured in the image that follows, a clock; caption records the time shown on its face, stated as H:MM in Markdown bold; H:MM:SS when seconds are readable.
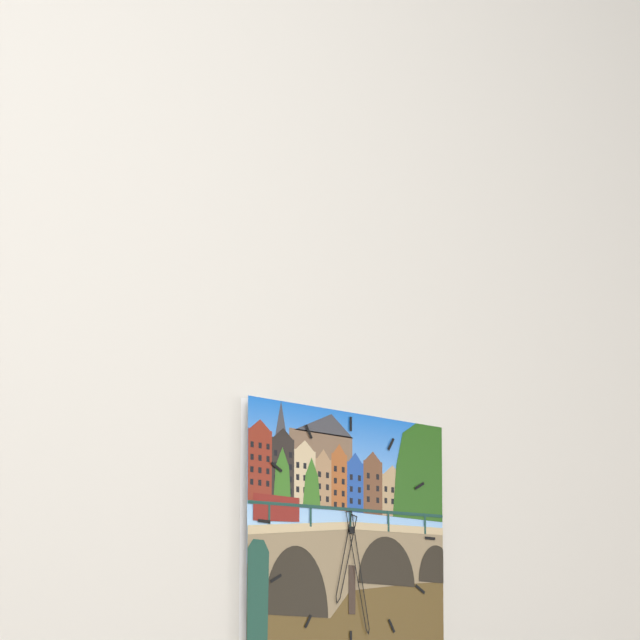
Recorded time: **6:28**
